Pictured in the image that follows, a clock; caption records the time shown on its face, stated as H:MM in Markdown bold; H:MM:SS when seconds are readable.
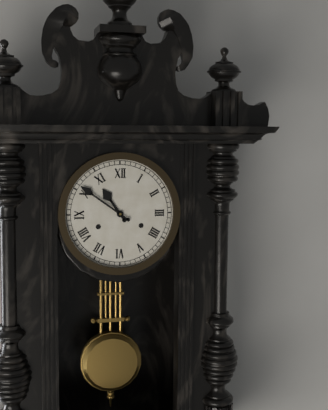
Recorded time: **10:51**
